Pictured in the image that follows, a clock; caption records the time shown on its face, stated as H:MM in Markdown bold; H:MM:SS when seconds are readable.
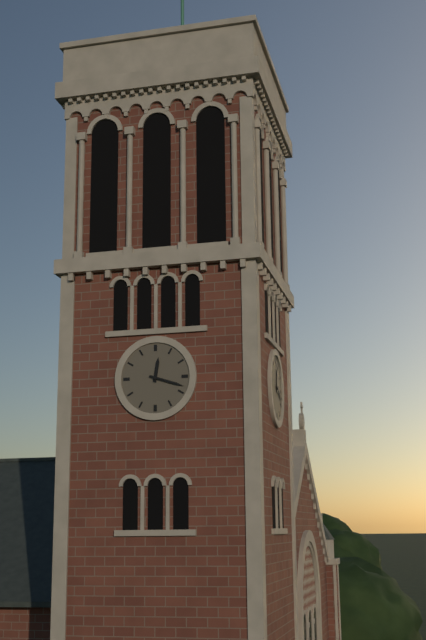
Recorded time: **12:18**
